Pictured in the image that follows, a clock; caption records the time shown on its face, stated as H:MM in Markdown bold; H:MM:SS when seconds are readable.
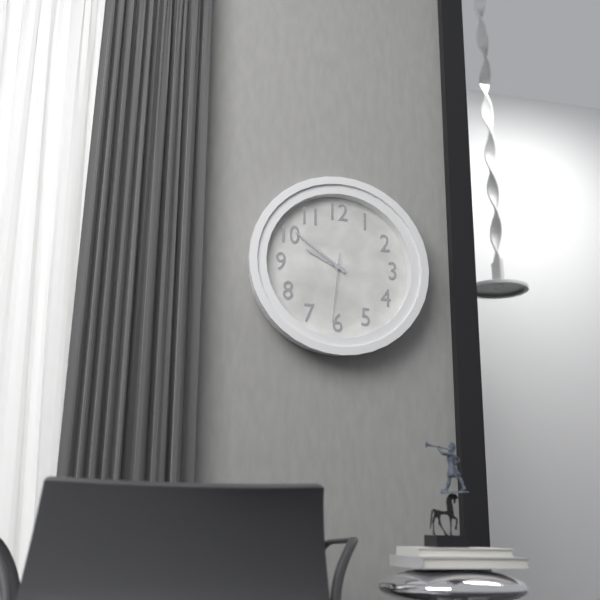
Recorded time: **9:51:31**
